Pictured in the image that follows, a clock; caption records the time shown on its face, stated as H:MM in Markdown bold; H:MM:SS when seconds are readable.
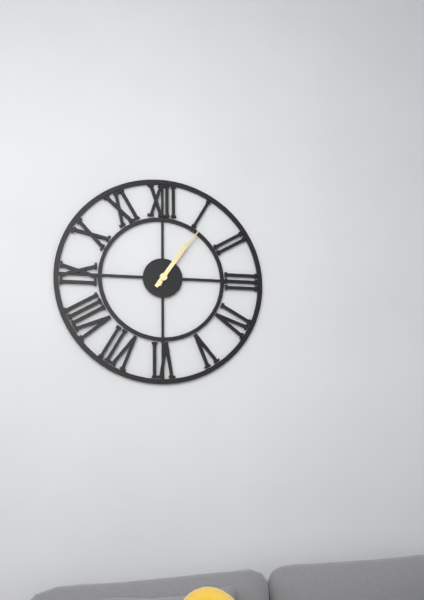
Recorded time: **1:06**
